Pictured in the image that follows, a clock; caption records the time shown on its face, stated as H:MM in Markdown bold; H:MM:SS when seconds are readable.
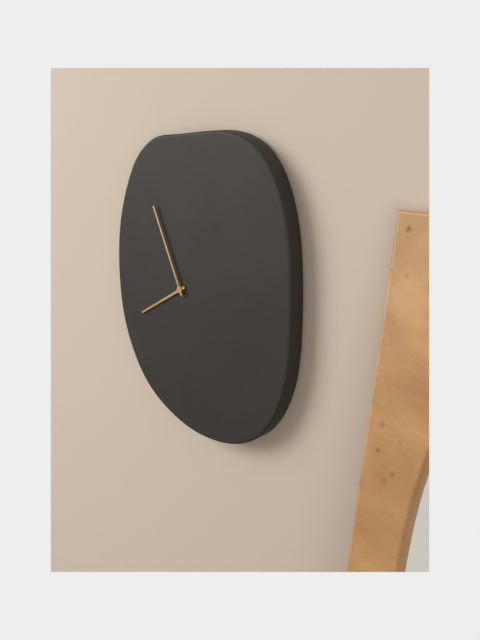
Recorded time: **7:56**
